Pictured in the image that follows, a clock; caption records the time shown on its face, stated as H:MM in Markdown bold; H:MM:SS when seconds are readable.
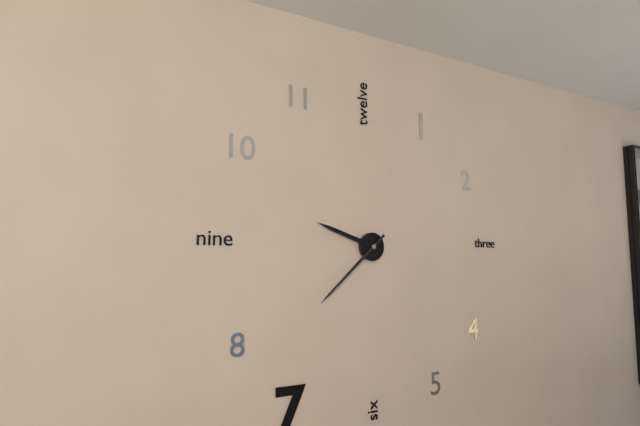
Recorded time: **9:38**
